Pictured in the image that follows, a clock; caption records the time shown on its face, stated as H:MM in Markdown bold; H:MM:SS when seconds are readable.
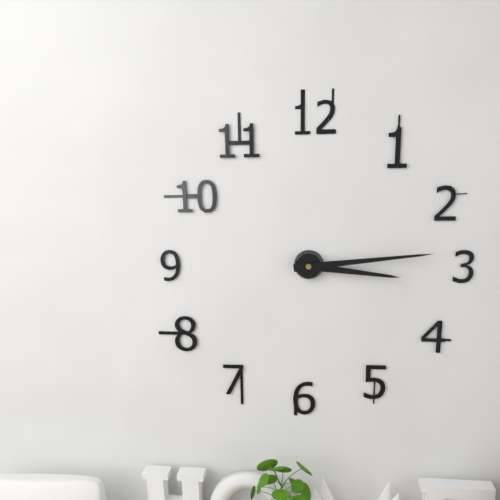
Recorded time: **3:14**
